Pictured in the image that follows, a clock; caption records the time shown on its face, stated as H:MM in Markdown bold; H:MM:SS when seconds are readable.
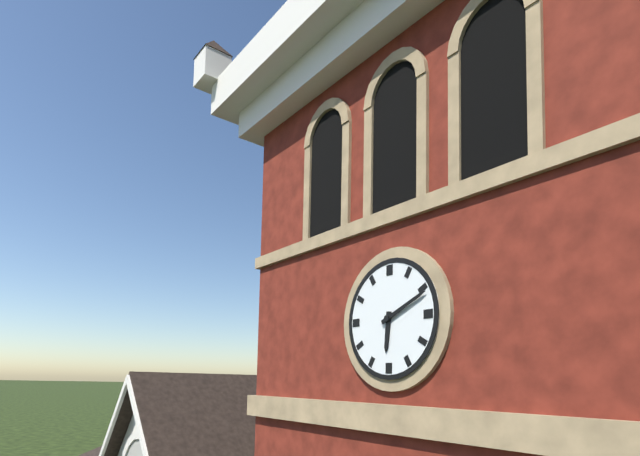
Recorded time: **6:11**
